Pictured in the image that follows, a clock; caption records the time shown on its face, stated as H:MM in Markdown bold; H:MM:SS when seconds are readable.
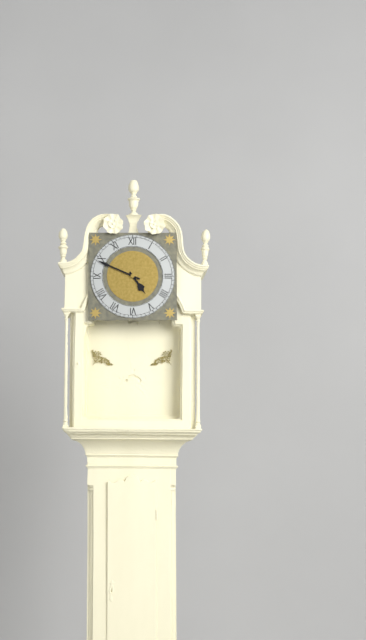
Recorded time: **4:49**
